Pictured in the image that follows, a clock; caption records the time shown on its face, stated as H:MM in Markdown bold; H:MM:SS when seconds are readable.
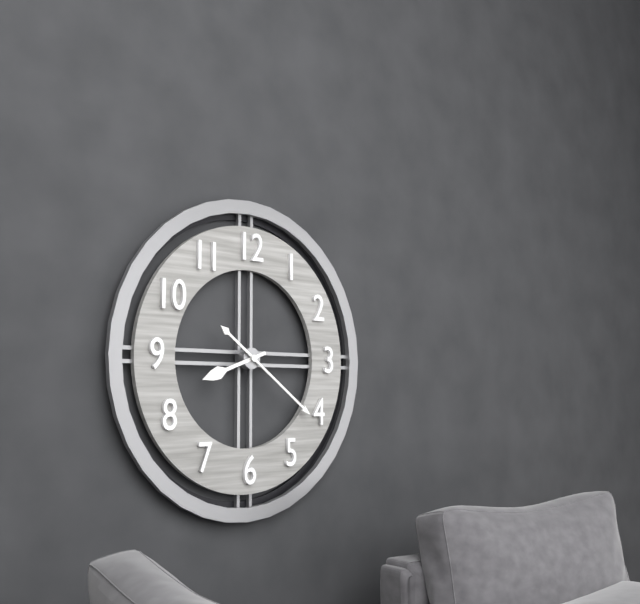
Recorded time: **8:21**
